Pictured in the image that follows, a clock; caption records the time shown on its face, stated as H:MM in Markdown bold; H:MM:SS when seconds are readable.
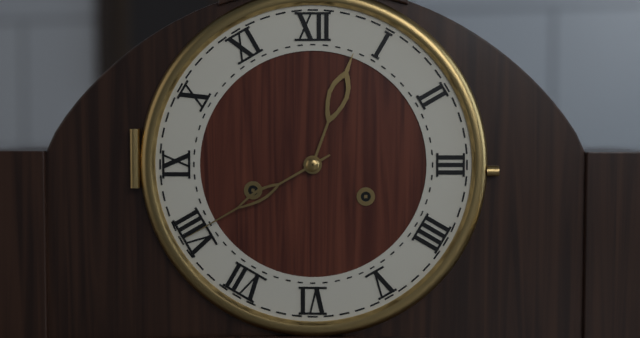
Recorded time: **12:40**
